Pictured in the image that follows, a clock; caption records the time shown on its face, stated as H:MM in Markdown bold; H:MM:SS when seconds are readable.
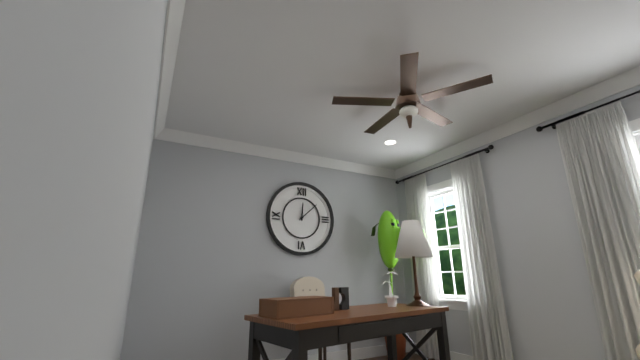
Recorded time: **12:08**
